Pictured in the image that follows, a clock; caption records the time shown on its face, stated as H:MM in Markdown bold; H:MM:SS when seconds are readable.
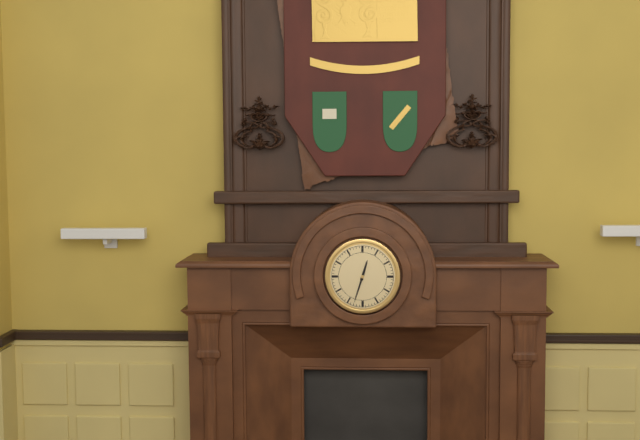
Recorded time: **12:33**
